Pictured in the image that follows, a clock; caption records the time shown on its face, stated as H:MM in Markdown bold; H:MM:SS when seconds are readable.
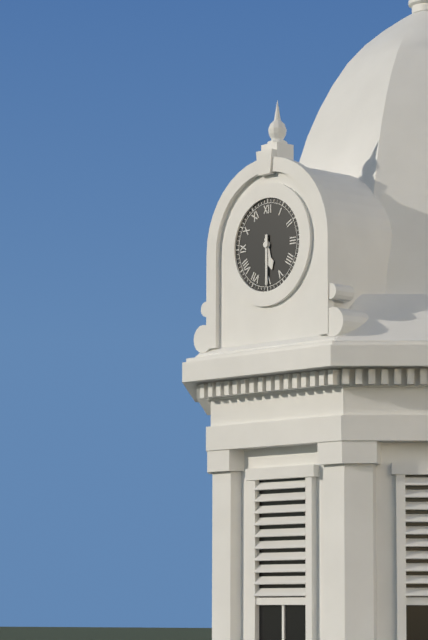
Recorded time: **5:30**
